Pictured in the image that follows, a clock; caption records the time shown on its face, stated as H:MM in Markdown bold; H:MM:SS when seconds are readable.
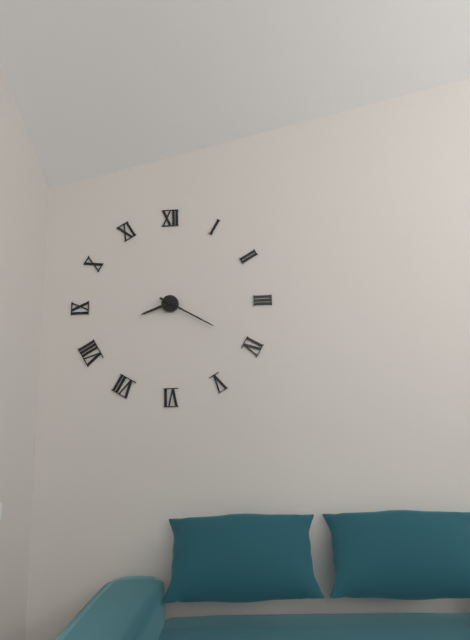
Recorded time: **8:20**
